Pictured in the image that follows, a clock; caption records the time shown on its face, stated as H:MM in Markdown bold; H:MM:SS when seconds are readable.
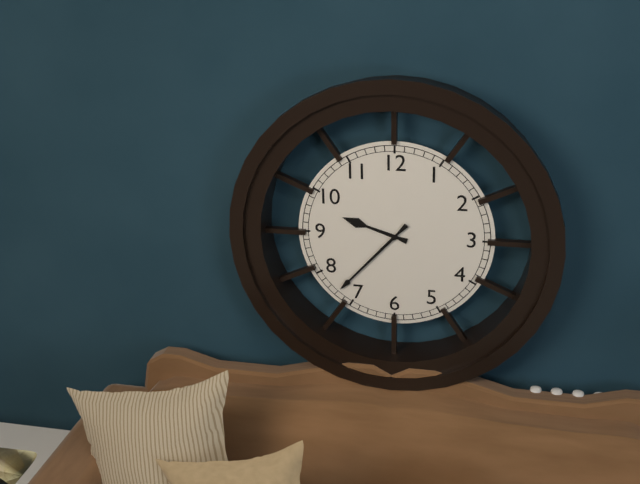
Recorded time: **9:37**
